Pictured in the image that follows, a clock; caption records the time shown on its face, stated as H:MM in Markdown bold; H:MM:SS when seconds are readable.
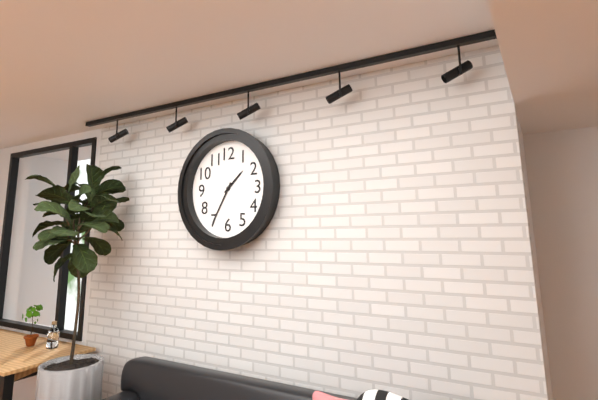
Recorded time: **1:35**
